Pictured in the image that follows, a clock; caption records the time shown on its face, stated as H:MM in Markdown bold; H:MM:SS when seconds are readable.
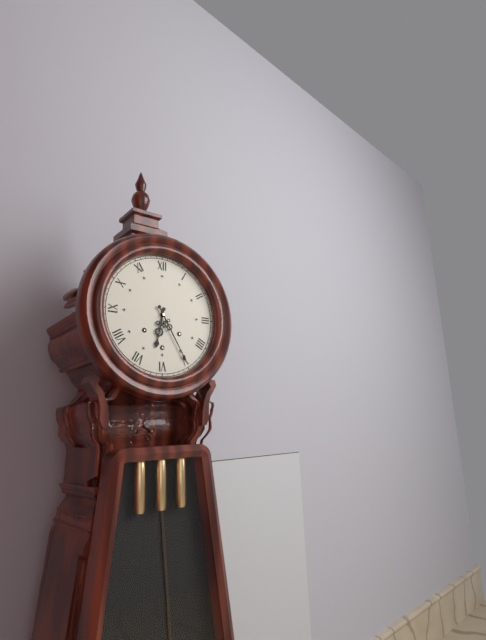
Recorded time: **6:25**
